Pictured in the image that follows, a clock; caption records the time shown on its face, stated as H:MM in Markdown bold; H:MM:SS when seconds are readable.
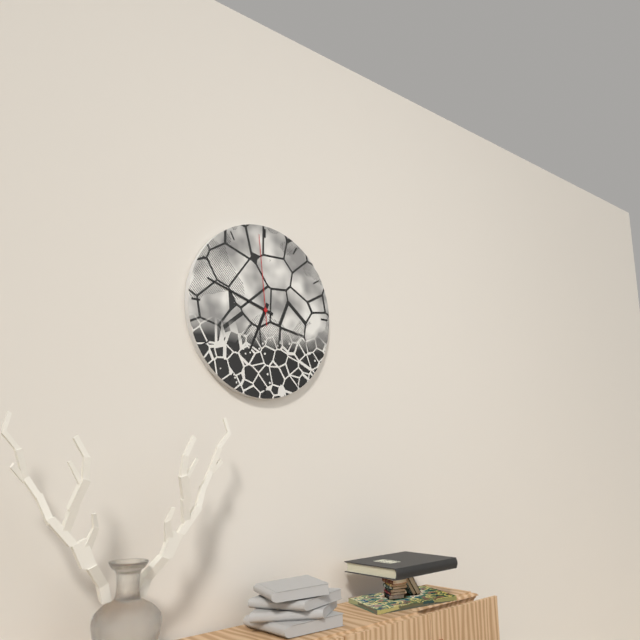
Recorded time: **6:48:59**
